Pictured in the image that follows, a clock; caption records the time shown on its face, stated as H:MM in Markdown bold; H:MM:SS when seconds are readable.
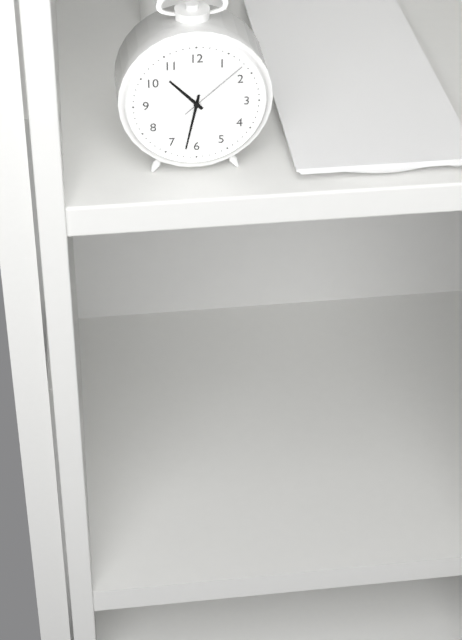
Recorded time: **10:32:08**
